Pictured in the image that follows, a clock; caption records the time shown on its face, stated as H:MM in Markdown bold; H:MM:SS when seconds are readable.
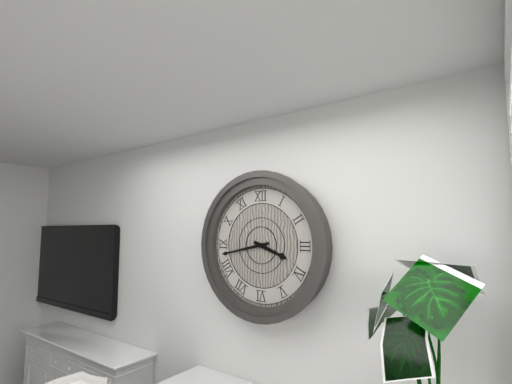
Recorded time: **3:43**
